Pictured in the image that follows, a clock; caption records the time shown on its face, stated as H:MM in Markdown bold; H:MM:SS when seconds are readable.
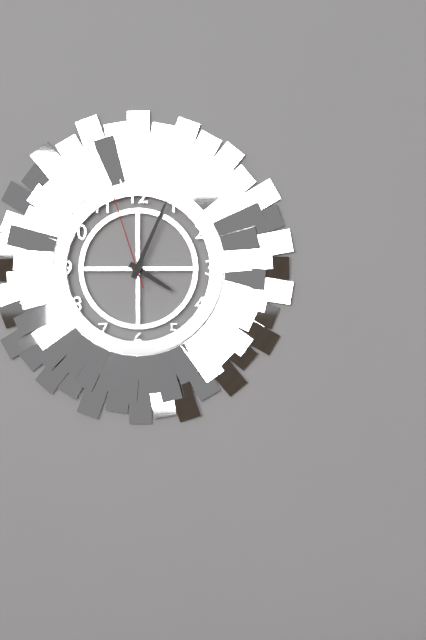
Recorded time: **4:04:57**
